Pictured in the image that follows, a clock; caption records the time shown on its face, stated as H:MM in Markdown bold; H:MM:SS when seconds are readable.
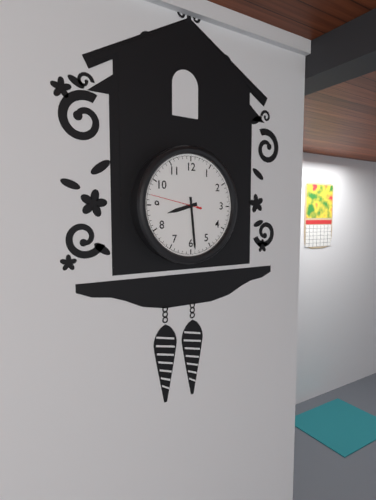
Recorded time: **8:29:47**
